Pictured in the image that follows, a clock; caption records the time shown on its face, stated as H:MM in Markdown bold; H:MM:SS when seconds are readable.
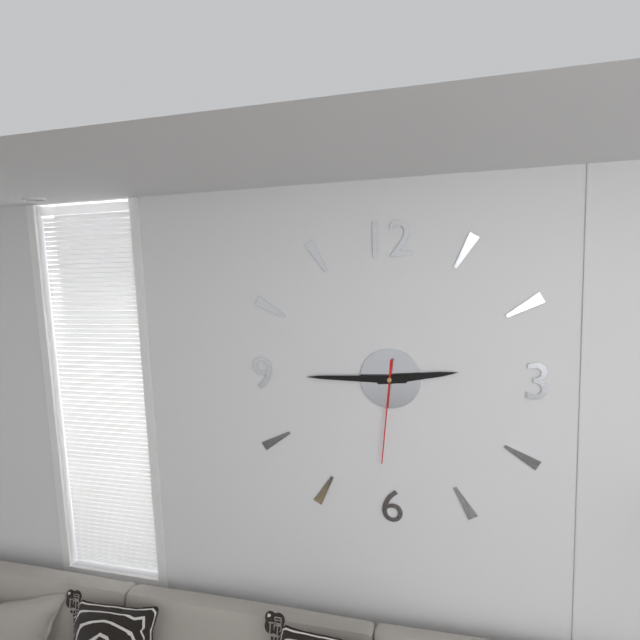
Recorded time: **2:45:31**
